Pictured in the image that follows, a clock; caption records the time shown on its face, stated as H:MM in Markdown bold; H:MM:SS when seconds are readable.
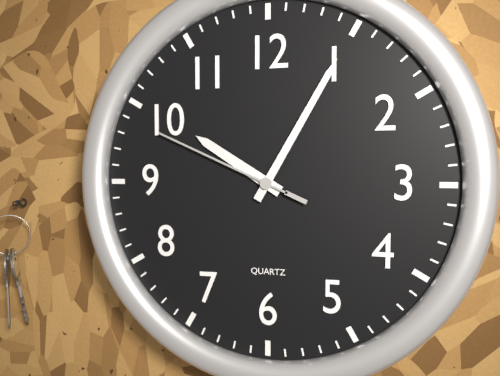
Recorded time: **10:05:49**
